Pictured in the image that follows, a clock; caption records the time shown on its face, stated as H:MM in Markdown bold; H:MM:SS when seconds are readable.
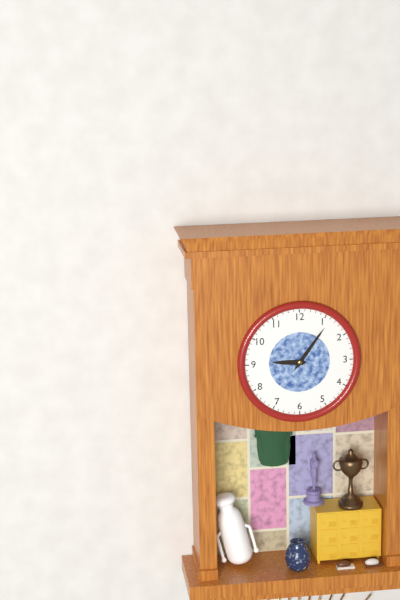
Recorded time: **9:06**
